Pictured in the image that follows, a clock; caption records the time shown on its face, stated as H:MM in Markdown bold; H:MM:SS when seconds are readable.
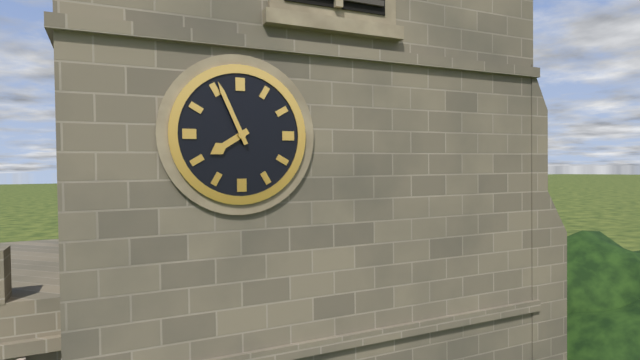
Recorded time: **7:56**
